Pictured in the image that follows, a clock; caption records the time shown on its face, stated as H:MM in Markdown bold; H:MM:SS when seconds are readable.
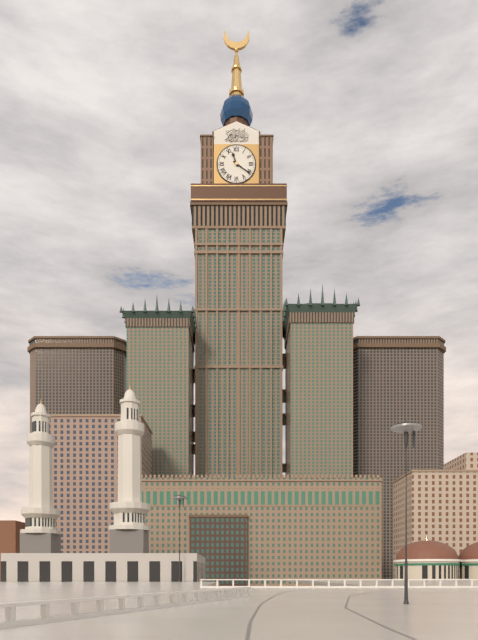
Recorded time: **11:21**
